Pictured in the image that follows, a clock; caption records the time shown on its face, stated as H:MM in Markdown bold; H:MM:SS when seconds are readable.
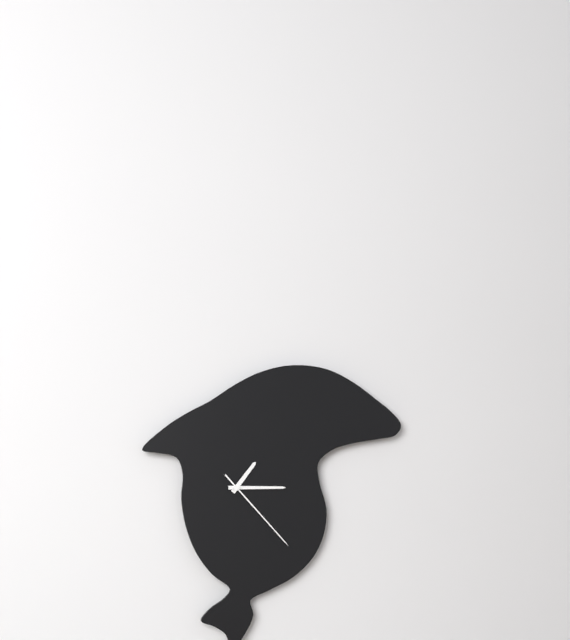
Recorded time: **1:15:23**
